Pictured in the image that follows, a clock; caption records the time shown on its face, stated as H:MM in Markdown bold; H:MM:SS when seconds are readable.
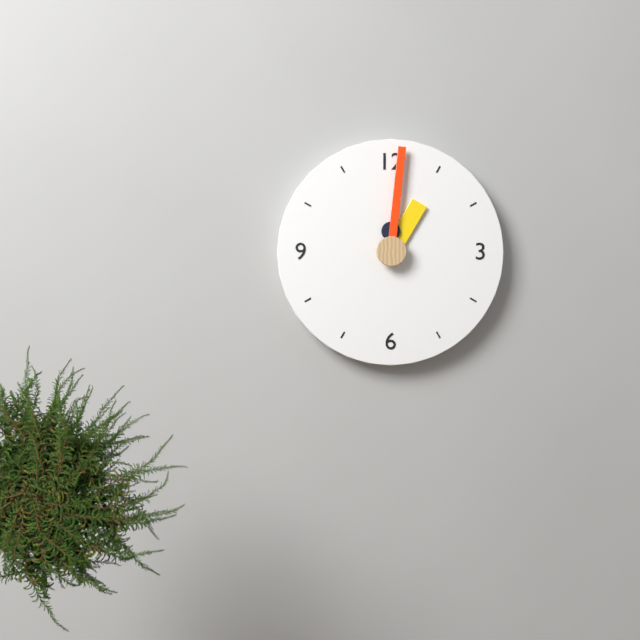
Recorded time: **1:01**
